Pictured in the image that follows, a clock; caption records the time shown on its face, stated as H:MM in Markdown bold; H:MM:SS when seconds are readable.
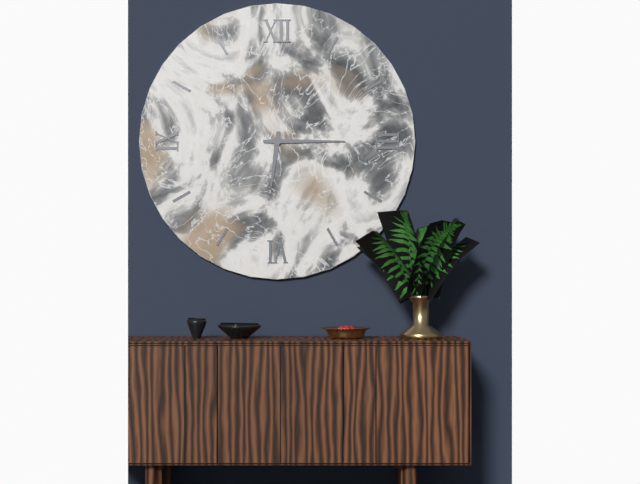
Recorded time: **6:15**
